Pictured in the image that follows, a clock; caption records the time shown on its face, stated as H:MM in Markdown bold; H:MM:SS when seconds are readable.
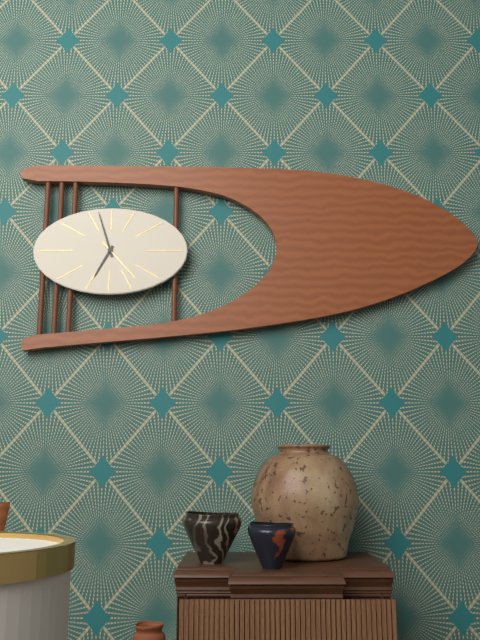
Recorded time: **6:57:23**
